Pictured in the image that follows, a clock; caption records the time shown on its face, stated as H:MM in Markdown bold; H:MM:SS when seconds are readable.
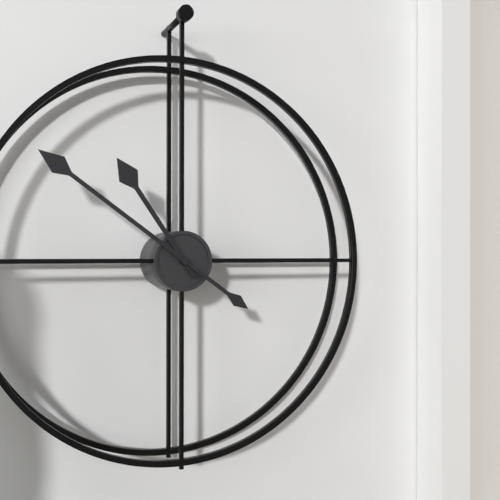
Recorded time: **10:51**
